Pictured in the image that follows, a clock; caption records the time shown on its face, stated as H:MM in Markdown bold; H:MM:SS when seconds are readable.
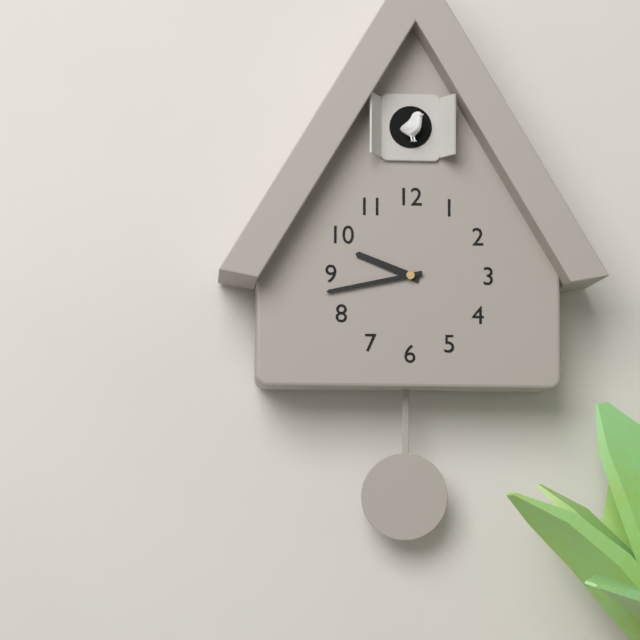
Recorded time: **9:43**
